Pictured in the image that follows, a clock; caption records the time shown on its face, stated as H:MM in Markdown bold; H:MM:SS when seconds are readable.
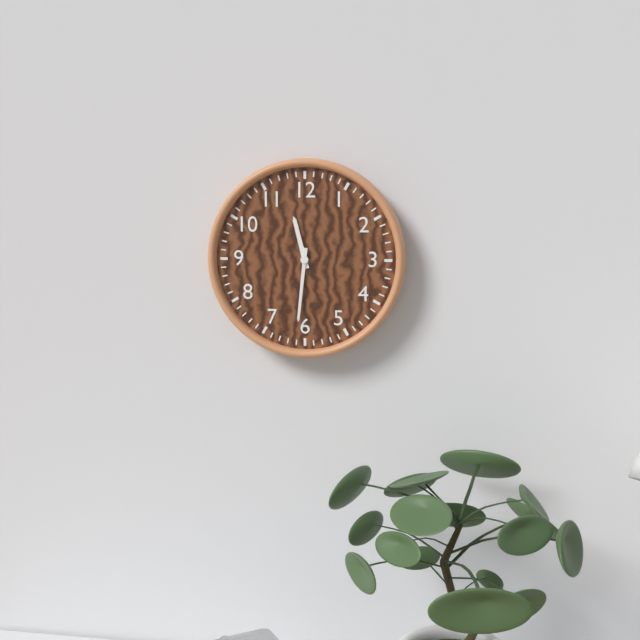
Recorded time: **11:31**
